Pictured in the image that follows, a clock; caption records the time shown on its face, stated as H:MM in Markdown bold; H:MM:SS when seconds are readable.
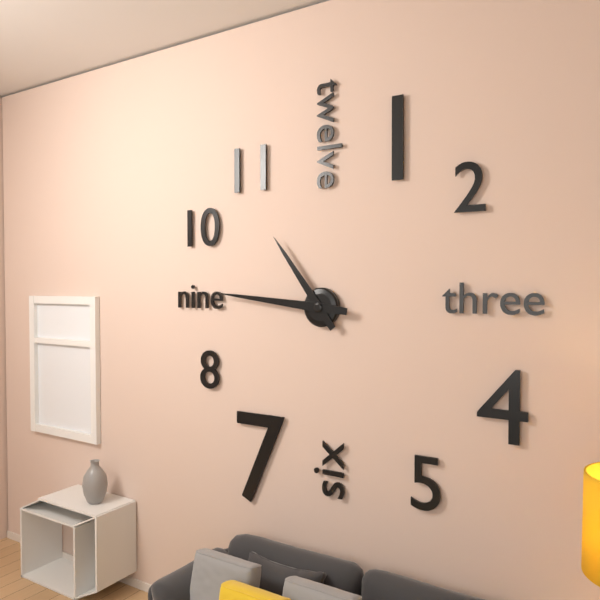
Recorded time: **10:46**
